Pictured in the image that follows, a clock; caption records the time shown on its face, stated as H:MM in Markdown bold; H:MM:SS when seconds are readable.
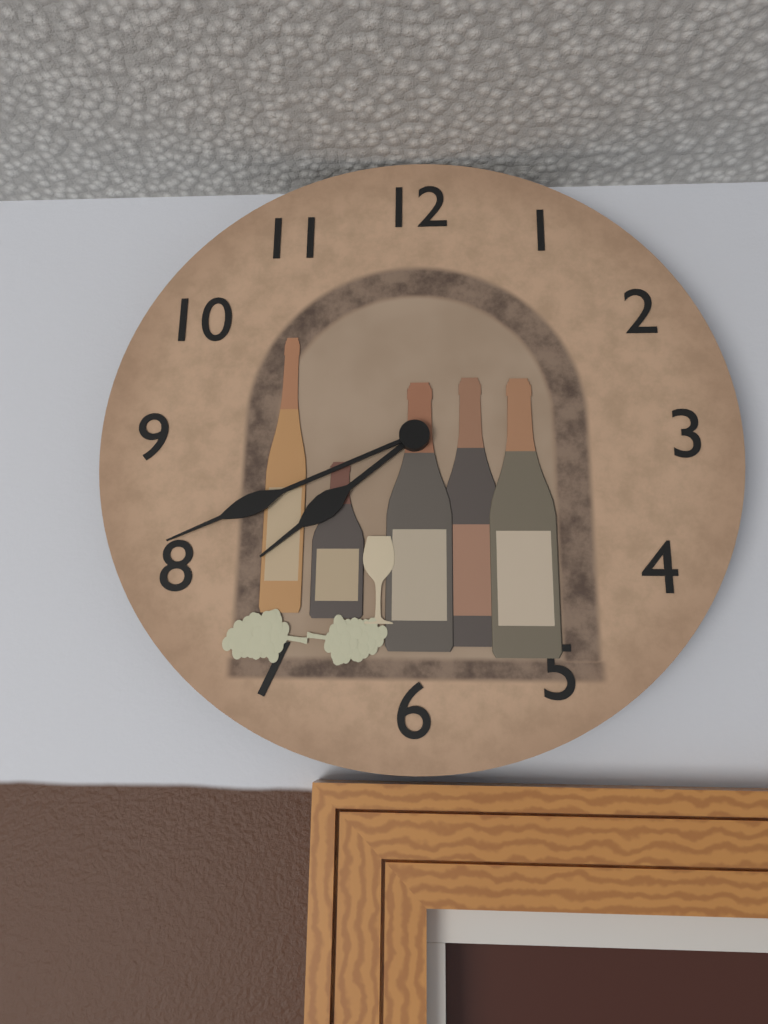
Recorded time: **7:41**
